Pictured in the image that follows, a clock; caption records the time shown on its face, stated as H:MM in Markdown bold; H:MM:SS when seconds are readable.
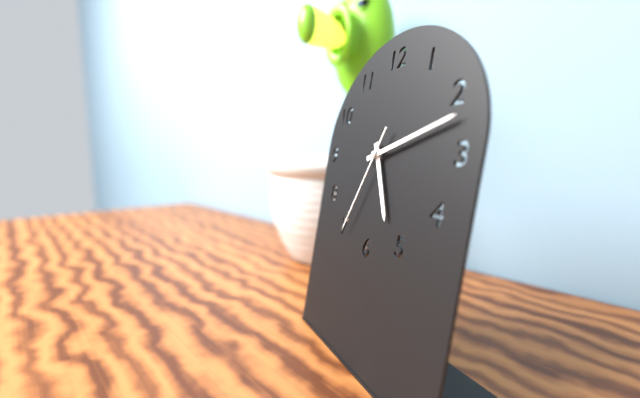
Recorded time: **5:12:34**
